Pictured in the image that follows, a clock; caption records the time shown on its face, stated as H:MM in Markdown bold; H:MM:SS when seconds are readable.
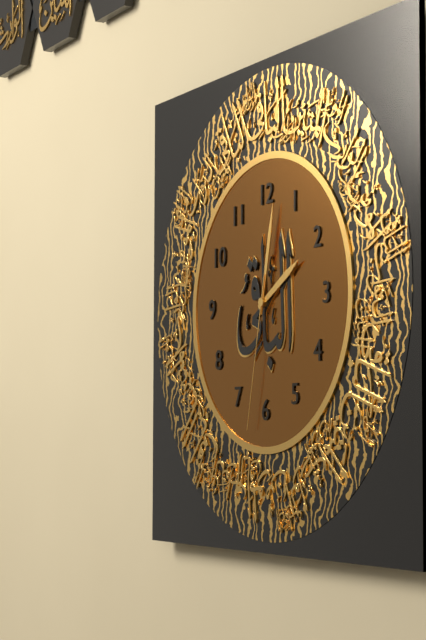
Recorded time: **2:02:32**
